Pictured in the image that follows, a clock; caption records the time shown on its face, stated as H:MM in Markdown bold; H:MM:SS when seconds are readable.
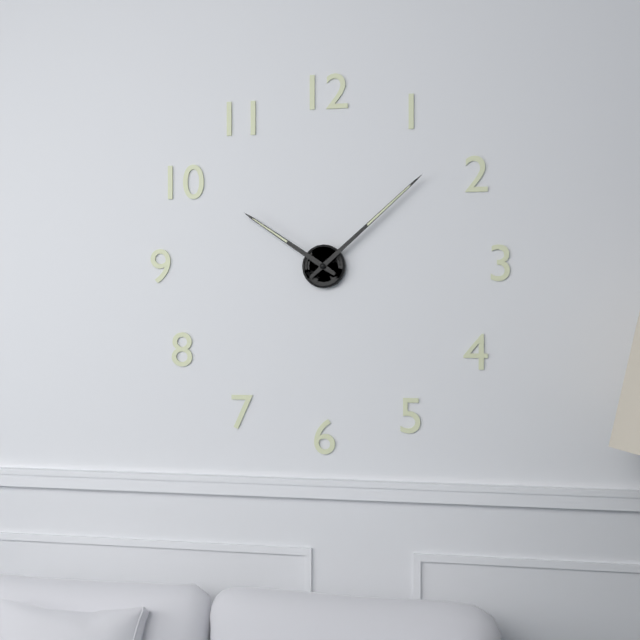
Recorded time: **10:08**
